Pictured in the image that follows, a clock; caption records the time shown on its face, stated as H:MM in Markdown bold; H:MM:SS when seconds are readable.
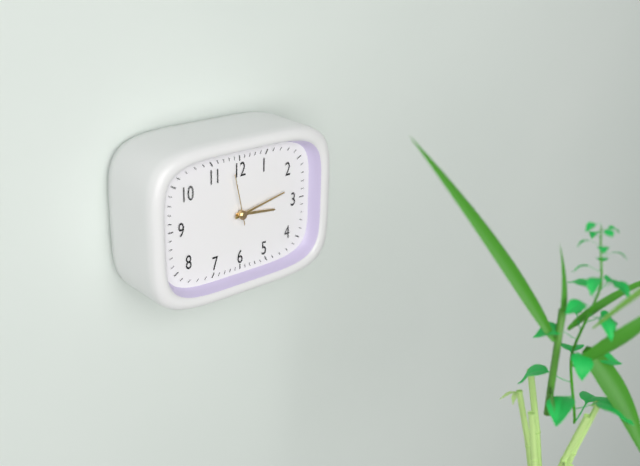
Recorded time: **3:13:58**
